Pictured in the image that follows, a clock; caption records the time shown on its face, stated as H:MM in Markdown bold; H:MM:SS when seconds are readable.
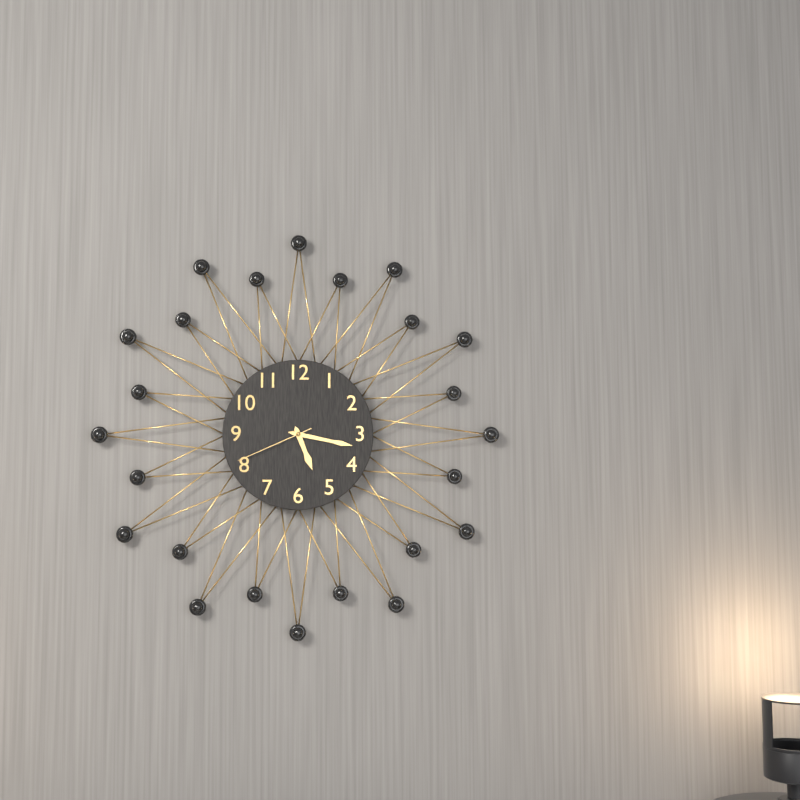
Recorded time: **5:17:41**
